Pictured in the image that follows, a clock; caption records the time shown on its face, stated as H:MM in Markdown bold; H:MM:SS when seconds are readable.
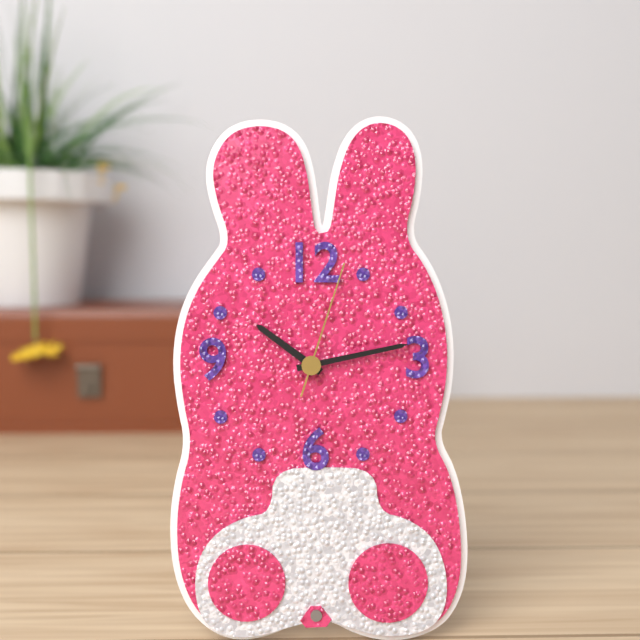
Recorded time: **10:13:03**
